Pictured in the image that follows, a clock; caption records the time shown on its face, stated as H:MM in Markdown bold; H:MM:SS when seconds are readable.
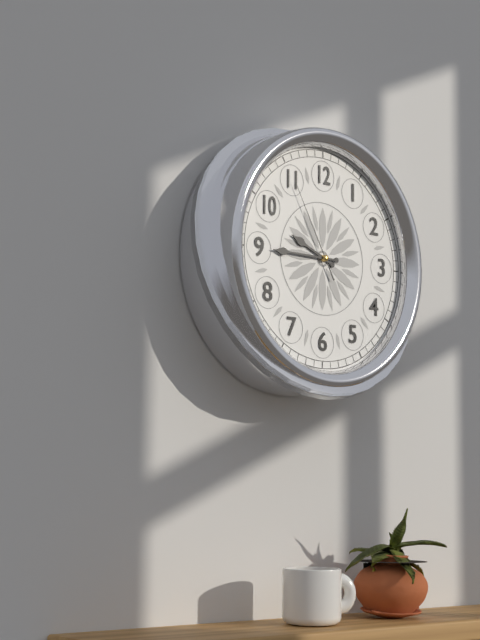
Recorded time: **9:45:55**
